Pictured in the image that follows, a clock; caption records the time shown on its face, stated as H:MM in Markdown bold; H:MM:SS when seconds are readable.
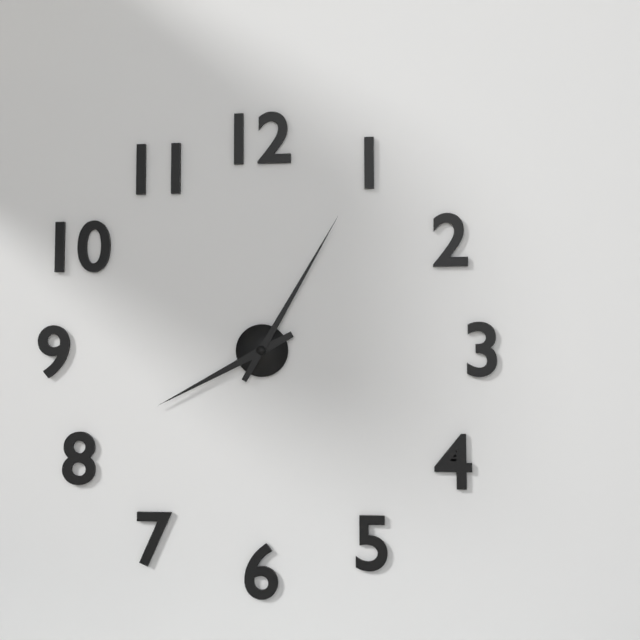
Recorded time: **8:05**
